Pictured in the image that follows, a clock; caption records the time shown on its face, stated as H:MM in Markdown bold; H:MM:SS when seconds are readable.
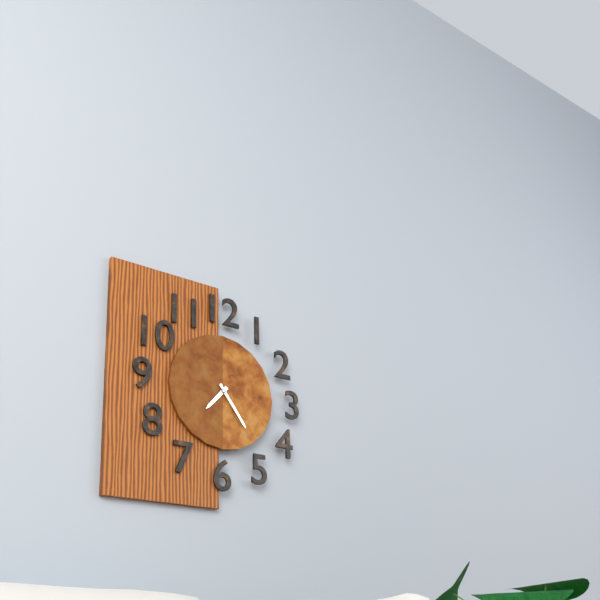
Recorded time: **7:24**
